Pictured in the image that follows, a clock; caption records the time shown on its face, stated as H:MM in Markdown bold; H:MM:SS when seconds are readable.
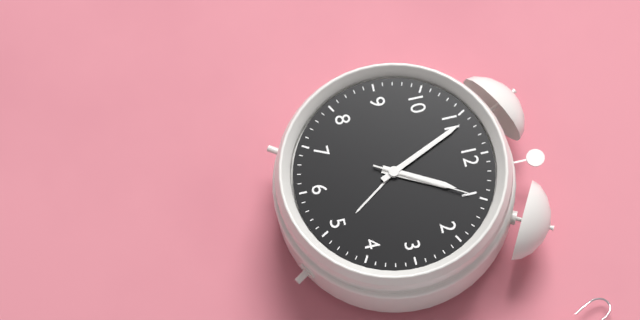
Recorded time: **12:56:05**
